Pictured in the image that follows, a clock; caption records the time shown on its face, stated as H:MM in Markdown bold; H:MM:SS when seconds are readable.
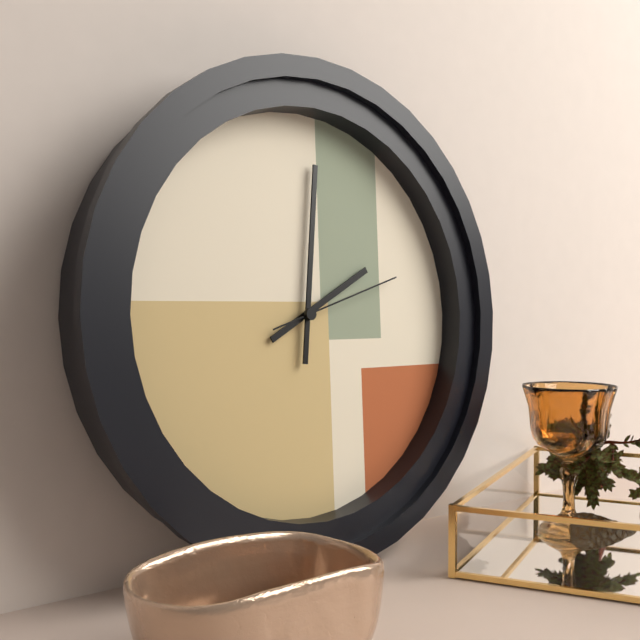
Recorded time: **2:01:12**
